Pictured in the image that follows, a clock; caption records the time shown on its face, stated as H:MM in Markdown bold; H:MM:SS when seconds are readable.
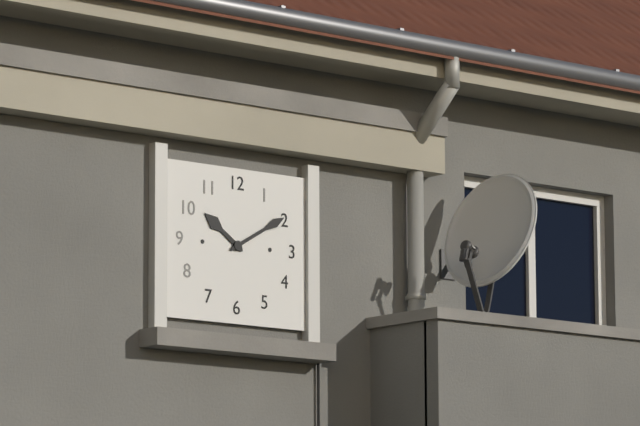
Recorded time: **10:10**
